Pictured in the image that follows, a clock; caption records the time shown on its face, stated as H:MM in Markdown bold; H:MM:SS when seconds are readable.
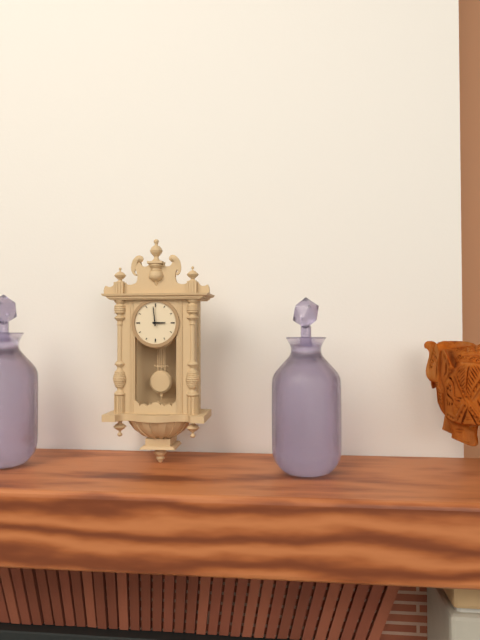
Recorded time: **2:59**
